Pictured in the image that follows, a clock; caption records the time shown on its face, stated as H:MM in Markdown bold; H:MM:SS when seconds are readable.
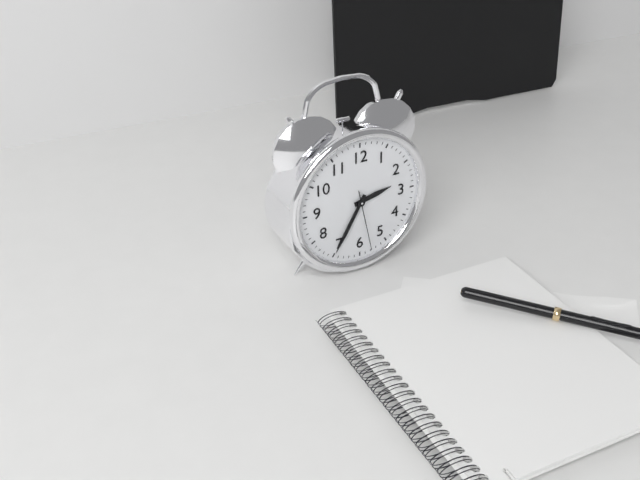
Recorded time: **2:35:28**
